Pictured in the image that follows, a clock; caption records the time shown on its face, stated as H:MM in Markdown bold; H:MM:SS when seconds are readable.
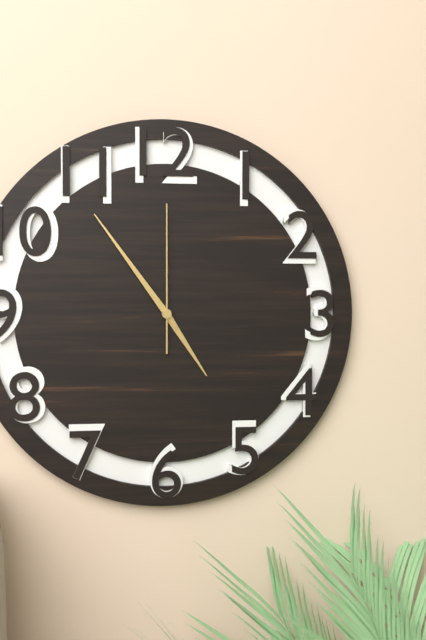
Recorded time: **4:54:00**
